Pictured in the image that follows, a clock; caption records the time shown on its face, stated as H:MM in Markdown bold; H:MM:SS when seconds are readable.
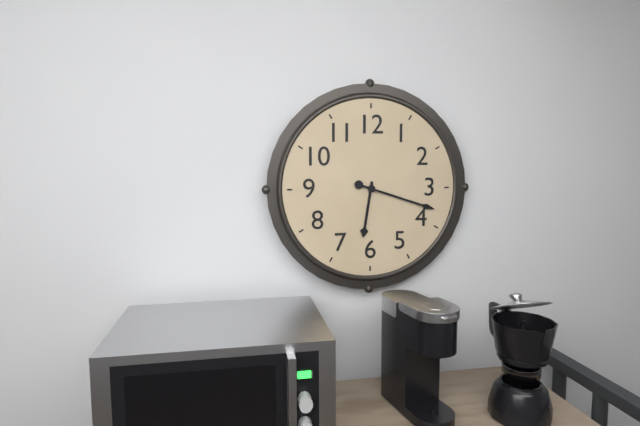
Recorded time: **6:18**
